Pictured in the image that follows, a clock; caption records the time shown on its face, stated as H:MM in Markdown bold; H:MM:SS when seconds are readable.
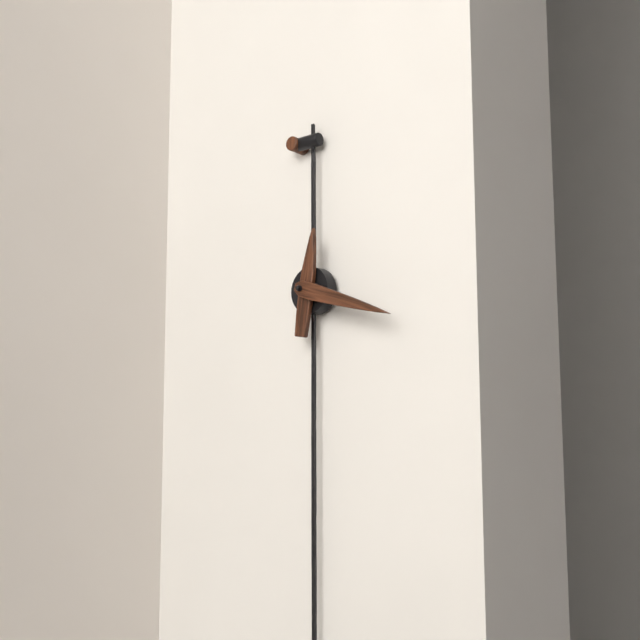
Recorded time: **12:18**
